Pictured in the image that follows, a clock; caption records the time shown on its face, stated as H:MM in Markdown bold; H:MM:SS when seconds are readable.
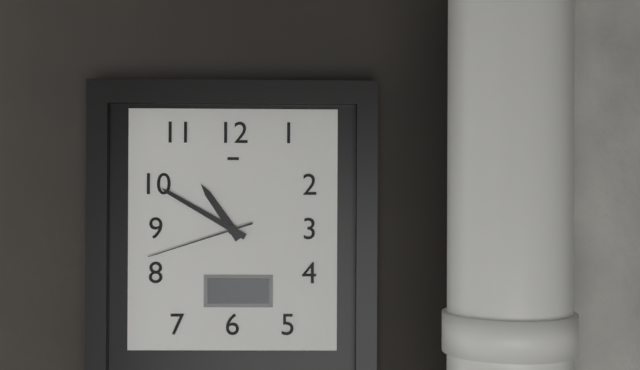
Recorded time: **10:50:42**
